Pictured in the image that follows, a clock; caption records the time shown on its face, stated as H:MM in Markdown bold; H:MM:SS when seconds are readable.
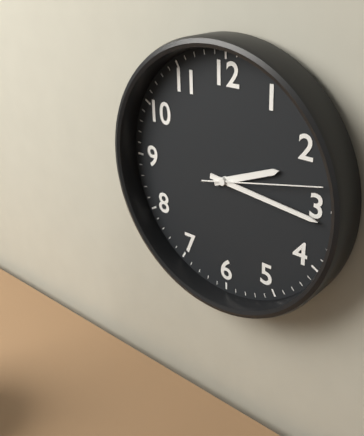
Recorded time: **2:16:13**
